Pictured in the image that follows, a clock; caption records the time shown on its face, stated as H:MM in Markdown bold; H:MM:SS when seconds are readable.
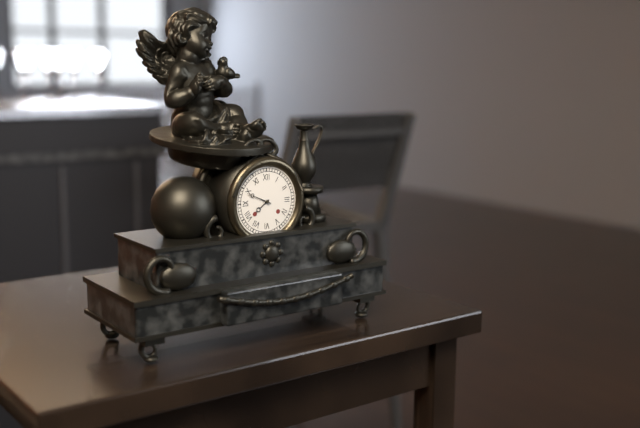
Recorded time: **7:49**
